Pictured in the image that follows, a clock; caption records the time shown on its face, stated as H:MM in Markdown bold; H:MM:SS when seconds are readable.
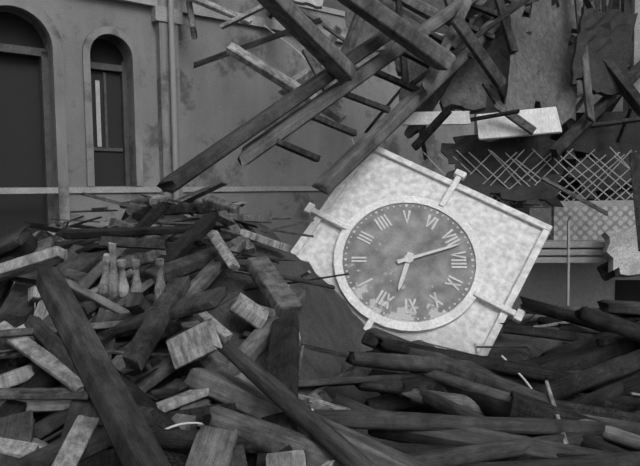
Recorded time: **11:37**
